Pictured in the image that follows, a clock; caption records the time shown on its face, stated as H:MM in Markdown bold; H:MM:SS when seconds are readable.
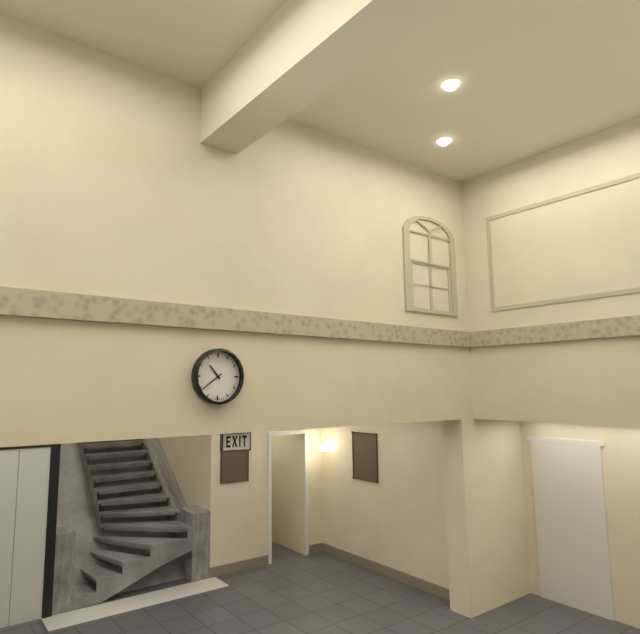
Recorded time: **10:39**
